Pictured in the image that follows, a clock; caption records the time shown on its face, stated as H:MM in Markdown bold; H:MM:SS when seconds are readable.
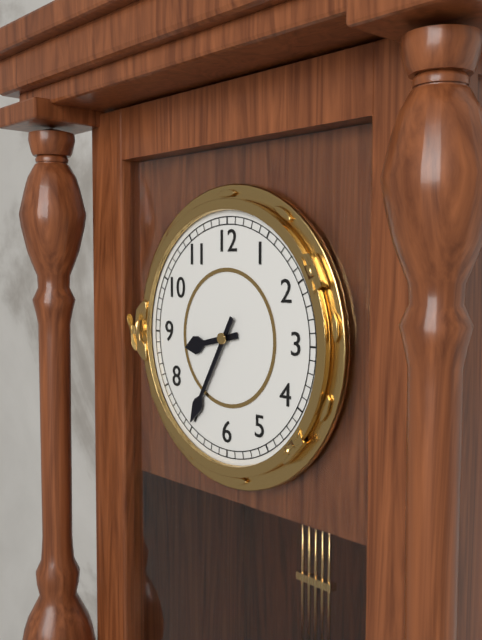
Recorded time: **8:35**
